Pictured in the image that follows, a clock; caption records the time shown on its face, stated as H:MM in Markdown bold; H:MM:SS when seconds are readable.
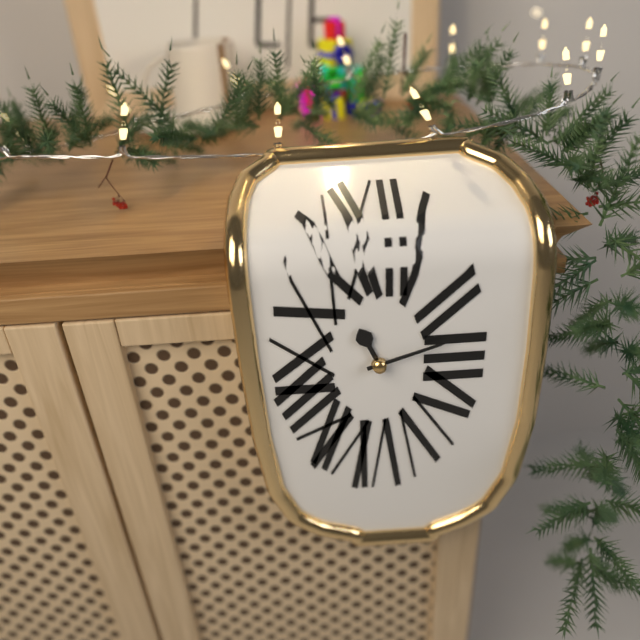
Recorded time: **11:12**
